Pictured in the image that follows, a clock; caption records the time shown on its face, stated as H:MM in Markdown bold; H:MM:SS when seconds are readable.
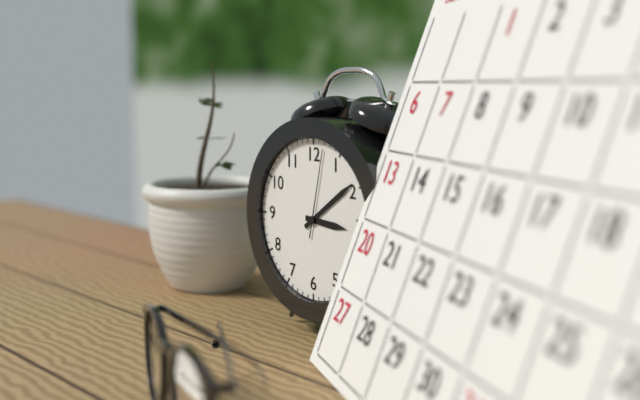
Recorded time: **3:09:02**
